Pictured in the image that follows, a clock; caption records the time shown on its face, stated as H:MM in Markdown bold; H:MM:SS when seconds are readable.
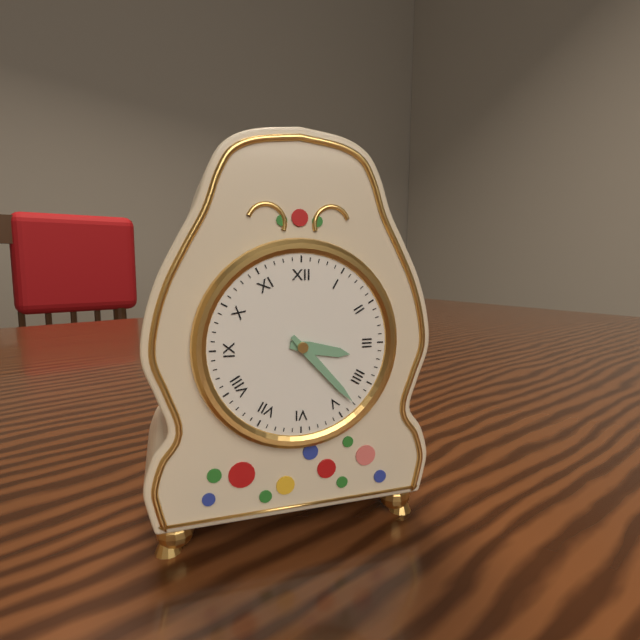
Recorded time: **3:23**
